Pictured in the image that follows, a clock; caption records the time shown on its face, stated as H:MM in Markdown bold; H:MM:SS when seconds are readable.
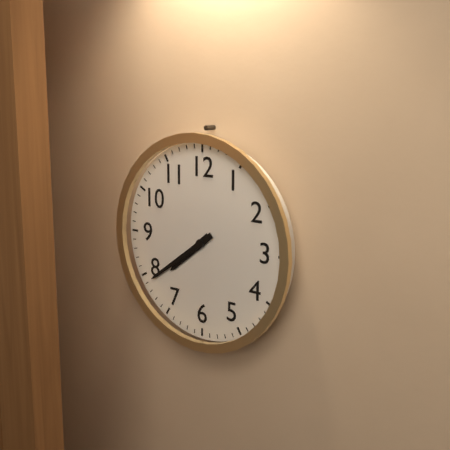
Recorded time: **7:39**
